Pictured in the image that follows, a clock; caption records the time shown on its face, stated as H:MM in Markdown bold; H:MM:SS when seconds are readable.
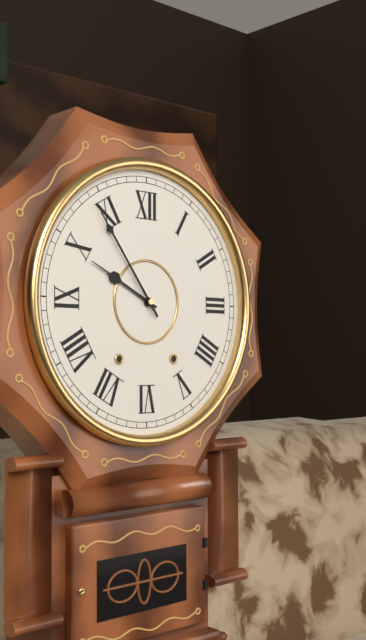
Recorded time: **9:54**
